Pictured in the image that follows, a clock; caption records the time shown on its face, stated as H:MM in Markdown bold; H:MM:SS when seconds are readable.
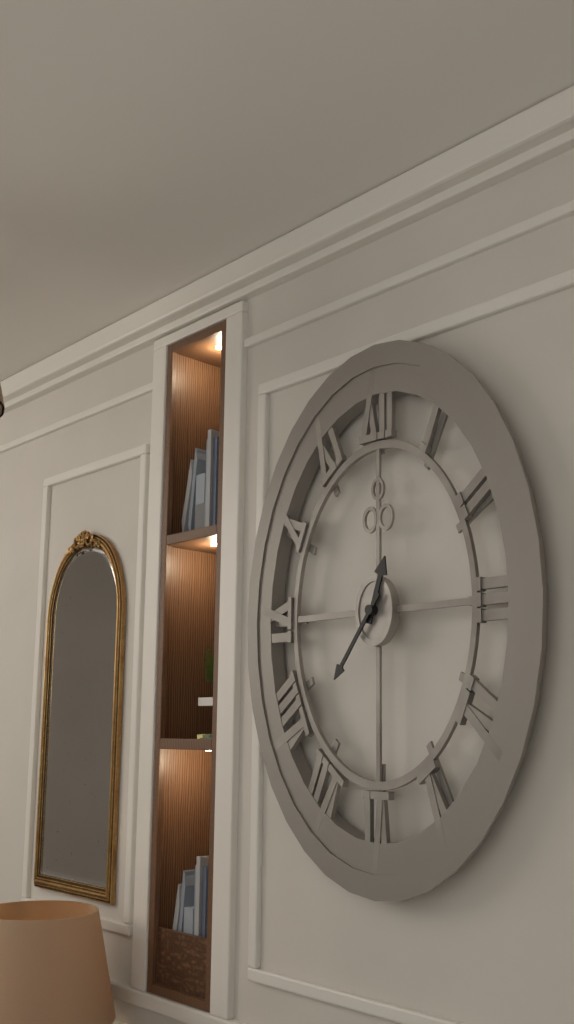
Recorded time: **12:36**
